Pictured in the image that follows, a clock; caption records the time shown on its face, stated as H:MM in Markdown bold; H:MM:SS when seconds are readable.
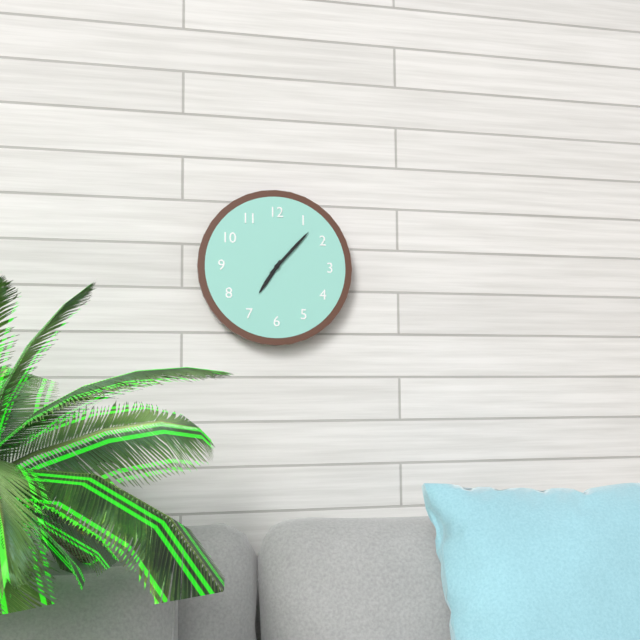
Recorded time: **7:07**
